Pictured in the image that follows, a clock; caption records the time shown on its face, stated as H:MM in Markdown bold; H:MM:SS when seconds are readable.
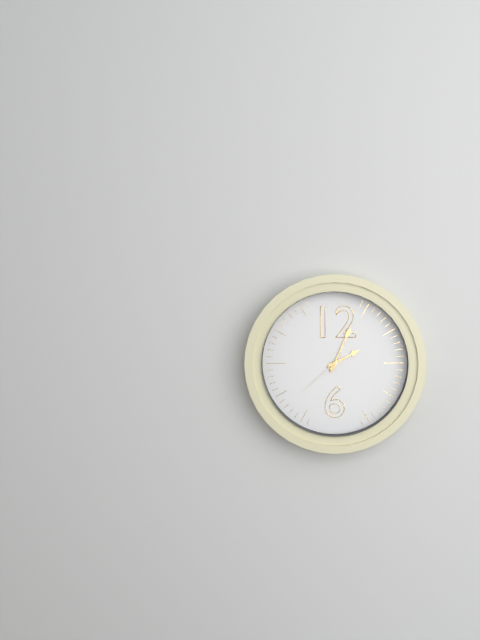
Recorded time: **2:04:38**
